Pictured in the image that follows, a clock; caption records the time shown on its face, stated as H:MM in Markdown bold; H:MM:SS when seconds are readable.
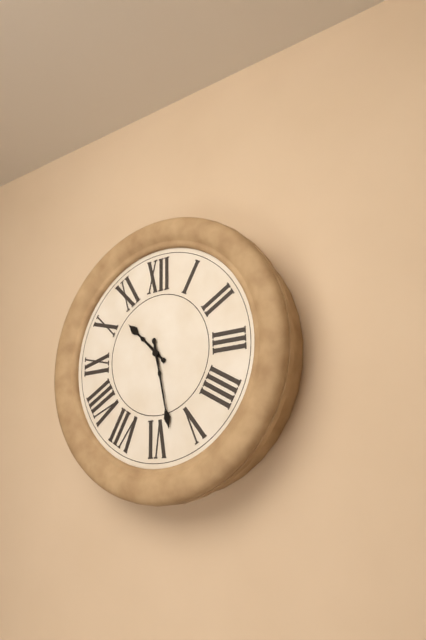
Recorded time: **10:28**
